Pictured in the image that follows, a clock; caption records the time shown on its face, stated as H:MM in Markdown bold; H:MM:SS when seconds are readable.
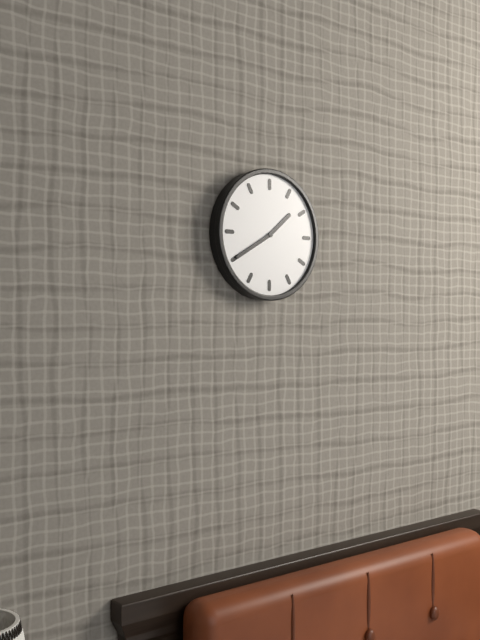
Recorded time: **1:40**
